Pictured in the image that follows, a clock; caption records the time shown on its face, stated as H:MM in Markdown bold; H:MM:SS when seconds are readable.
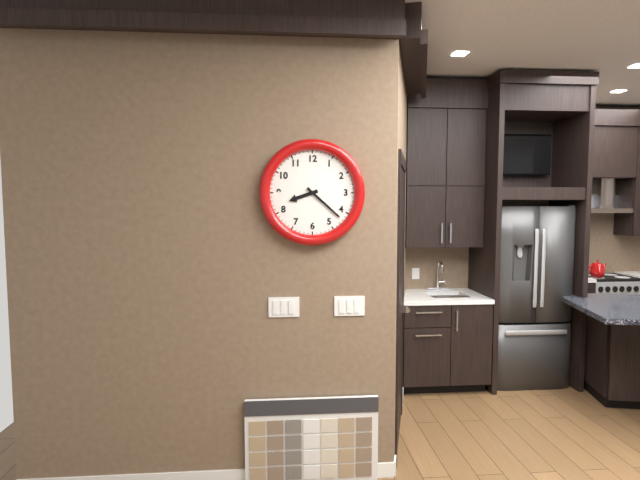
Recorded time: **8:22**
